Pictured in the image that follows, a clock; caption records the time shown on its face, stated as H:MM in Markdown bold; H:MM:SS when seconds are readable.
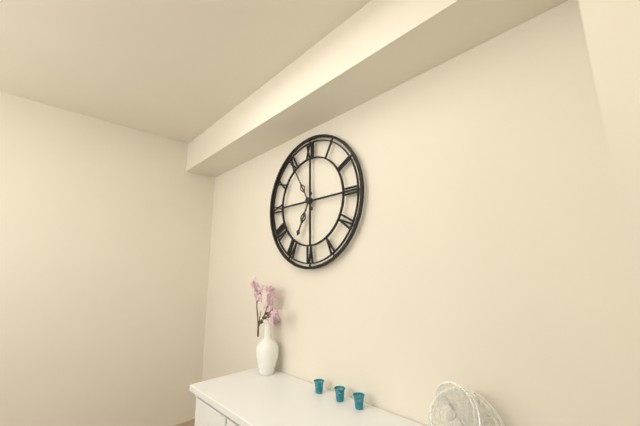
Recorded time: **6:55**
